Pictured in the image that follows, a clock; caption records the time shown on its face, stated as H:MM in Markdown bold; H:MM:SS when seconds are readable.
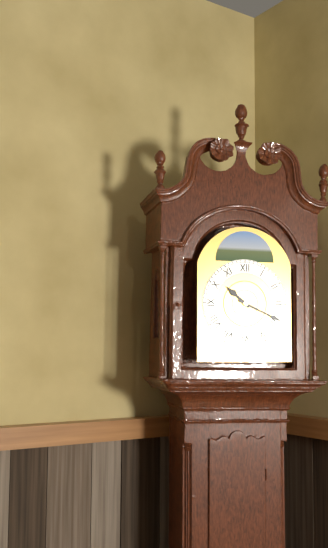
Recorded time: **10:19**
